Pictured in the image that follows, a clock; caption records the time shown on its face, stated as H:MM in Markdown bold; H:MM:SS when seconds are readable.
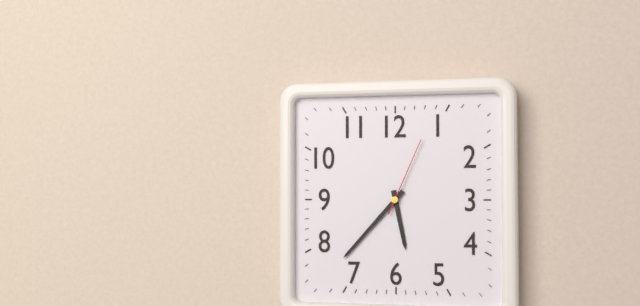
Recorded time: **5:37:04**
